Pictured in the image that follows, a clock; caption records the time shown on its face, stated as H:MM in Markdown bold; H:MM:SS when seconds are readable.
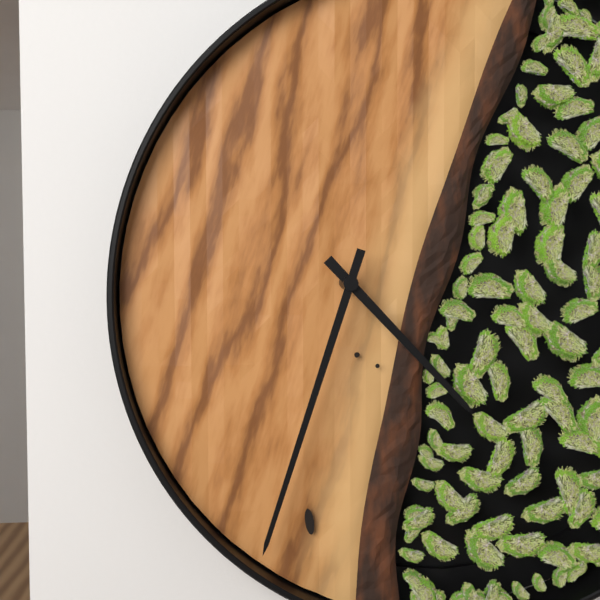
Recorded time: **4:33**
